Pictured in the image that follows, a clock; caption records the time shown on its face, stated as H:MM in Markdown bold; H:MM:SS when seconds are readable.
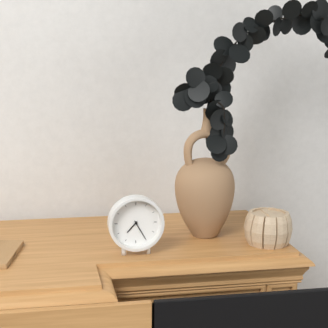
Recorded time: **7:25**
